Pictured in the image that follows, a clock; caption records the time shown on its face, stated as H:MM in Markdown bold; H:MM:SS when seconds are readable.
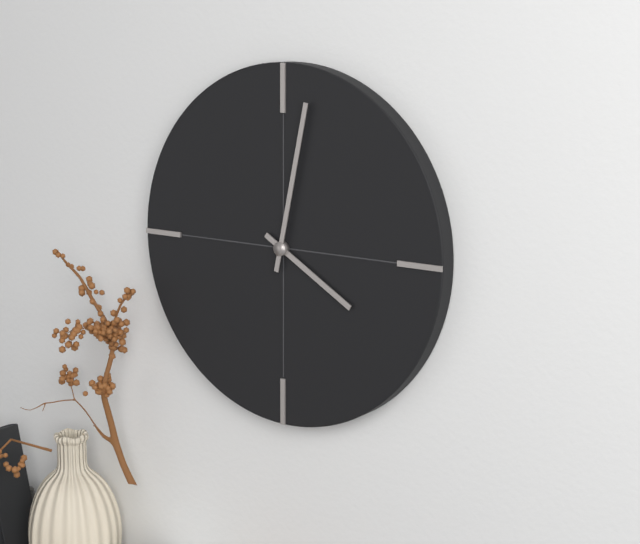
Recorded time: **4:02**
